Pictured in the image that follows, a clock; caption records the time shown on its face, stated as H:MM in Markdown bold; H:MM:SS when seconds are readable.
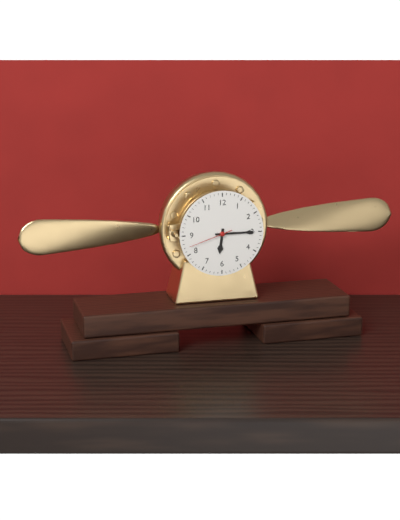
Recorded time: **6:15**
